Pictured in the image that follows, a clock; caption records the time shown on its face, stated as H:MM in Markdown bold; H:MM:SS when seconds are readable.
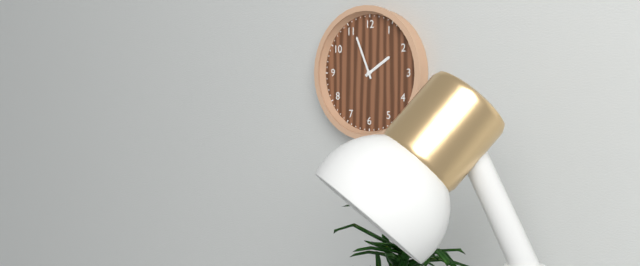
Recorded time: **1:56**
